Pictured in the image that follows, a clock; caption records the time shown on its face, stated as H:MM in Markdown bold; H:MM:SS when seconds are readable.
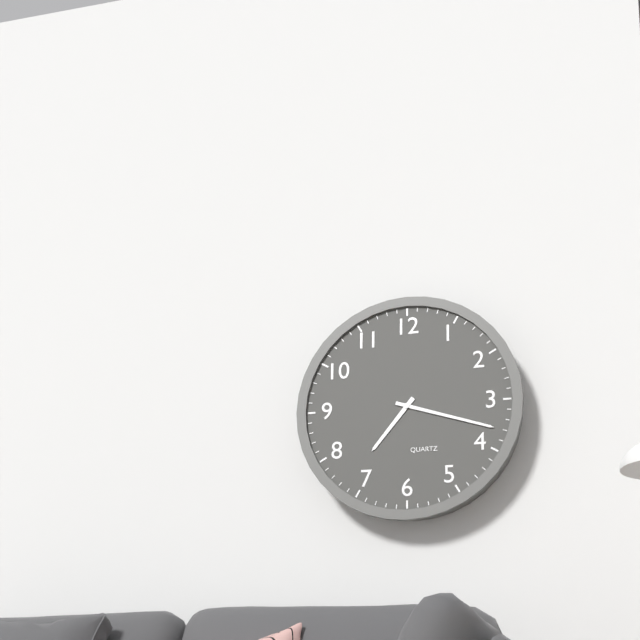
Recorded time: **7:18**
